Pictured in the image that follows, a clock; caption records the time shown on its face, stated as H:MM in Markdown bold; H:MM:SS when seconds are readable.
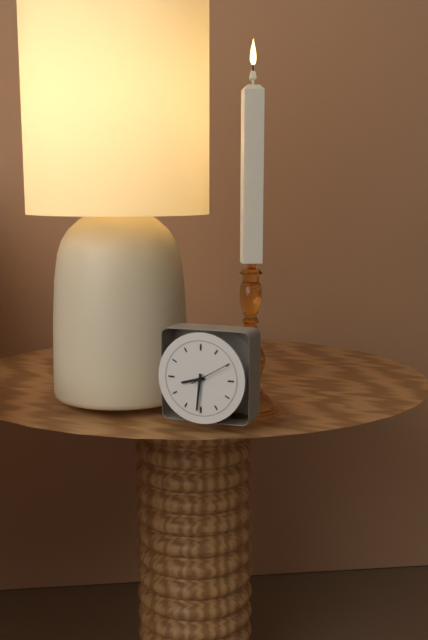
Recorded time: **8:31**
